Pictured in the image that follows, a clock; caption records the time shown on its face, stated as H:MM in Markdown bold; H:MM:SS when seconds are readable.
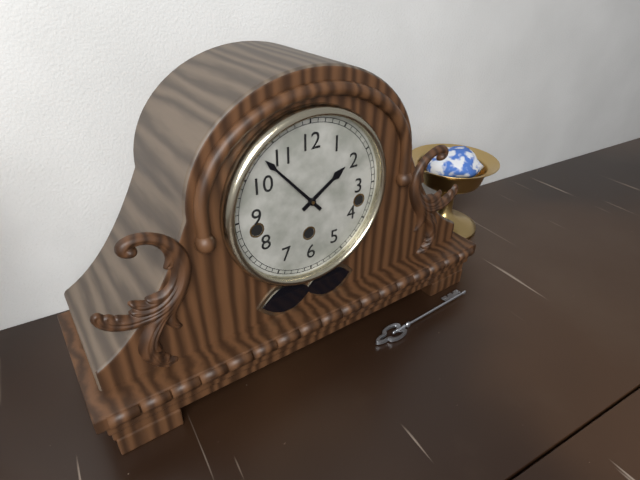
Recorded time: **1:53**
